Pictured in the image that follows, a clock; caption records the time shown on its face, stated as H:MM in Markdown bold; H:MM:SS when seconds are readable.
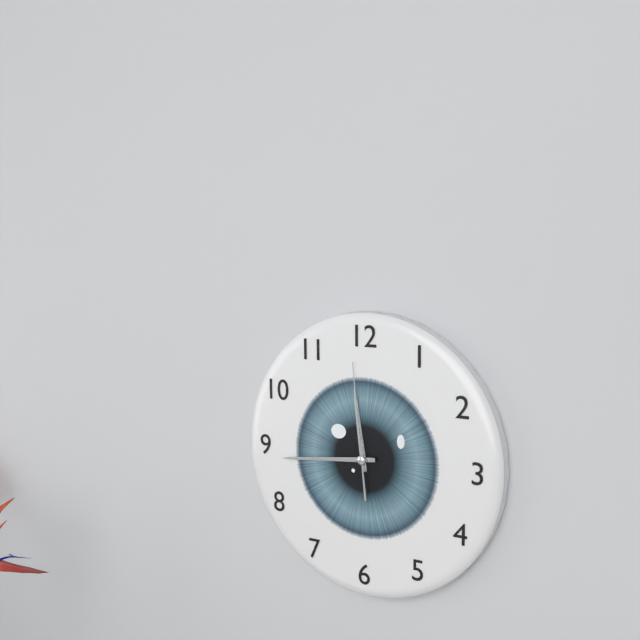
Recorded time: **11:44:59**
